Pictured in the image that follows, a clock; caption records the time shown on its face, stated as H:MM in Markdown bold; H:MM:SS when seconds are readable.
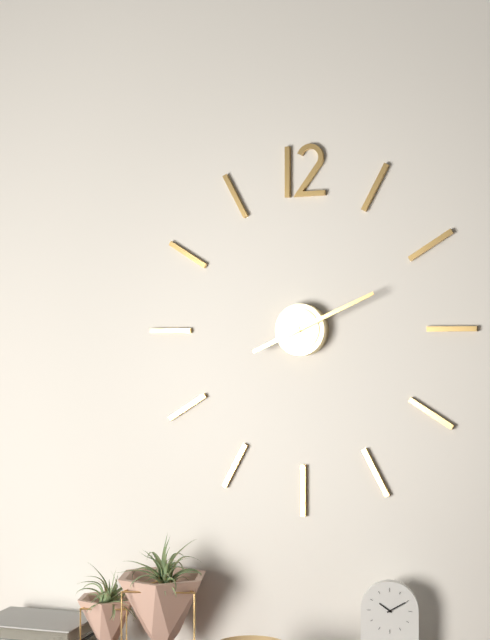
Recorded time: **8:11**
